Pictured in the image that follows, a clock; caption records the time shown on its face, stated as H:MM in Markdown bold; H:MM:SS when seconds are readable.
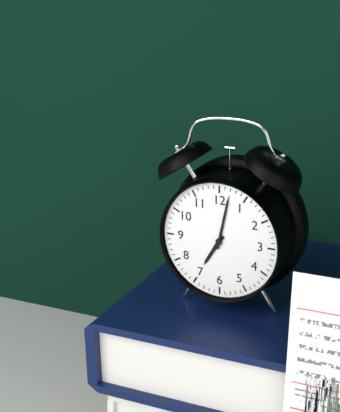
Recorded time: **7:02**
